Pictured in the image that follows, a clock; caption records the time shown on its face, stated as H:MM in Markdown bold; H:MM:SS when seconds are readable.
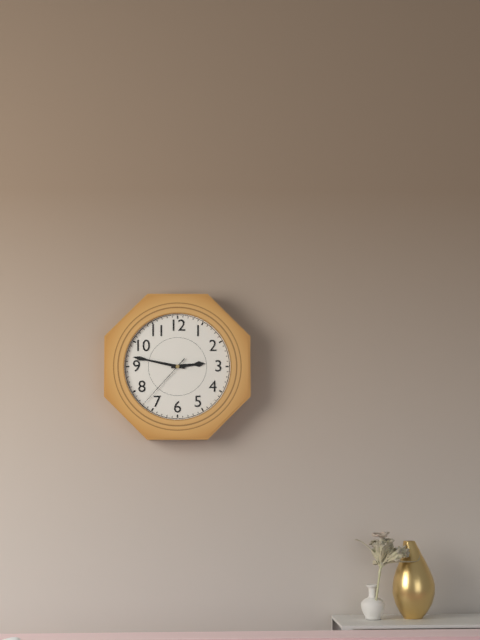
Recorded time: **2:47:37**
